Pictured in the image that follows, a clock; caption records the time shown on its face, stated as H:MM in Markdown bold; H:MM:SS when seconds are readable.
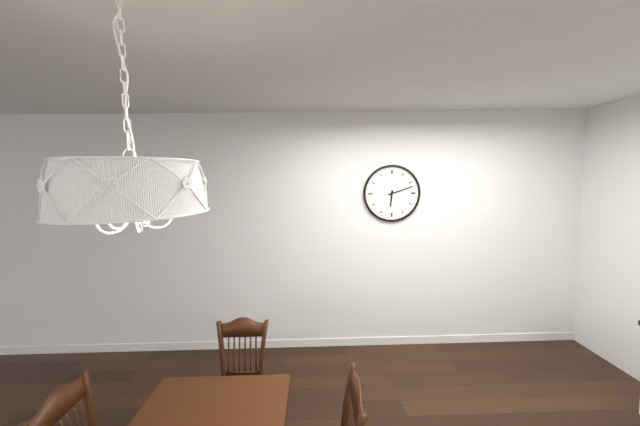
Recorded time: **6:12**
